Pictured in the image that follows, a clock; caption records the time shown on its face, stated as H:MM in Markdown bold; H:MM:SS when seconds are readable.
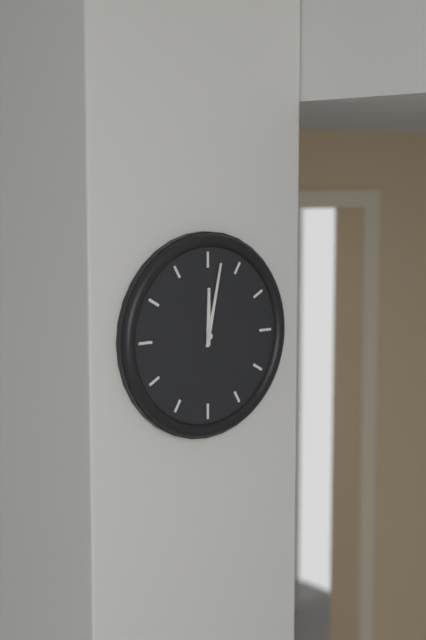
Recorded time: **12:02**
